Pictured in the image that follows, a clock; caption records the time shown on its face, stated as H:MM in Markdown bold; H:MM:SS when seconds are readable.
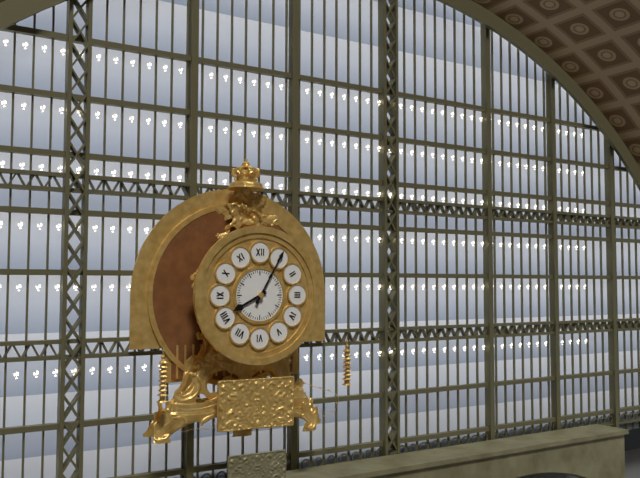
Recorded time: **8:05**
